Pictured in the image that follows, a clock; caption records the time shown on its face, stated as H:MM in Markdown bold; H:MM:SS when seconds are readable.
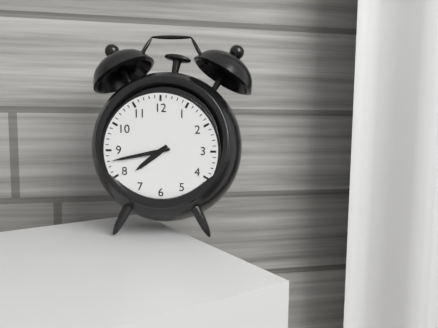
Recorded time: **7:43**
